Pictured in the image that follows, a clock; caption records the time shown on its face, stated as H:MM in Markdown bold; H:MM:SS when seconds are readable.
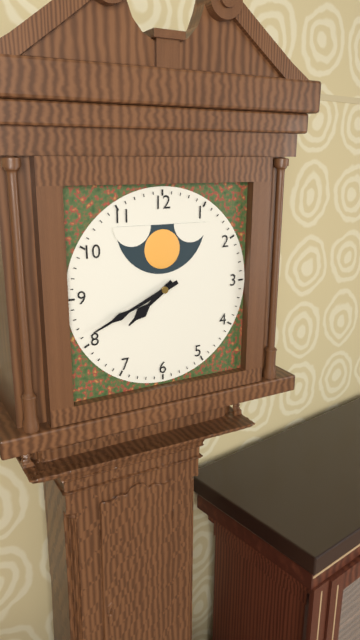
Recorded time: **7:41**
